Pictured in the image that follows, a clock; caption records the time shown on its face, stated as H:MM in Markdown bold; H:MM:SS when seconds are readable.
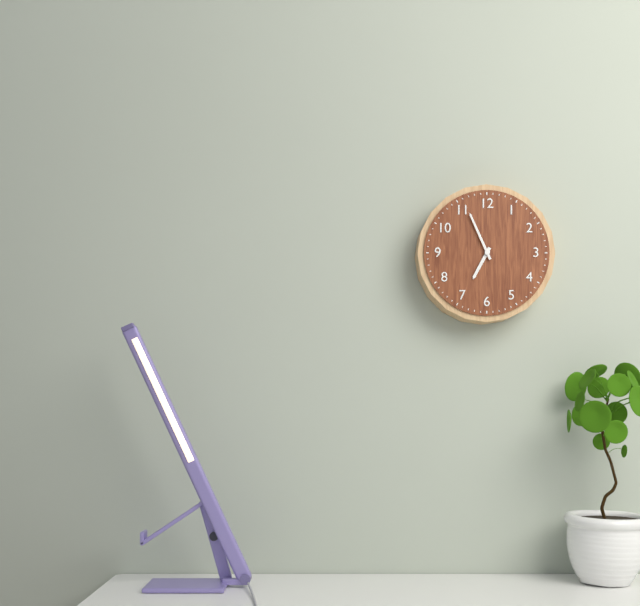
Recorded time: **6:56**
